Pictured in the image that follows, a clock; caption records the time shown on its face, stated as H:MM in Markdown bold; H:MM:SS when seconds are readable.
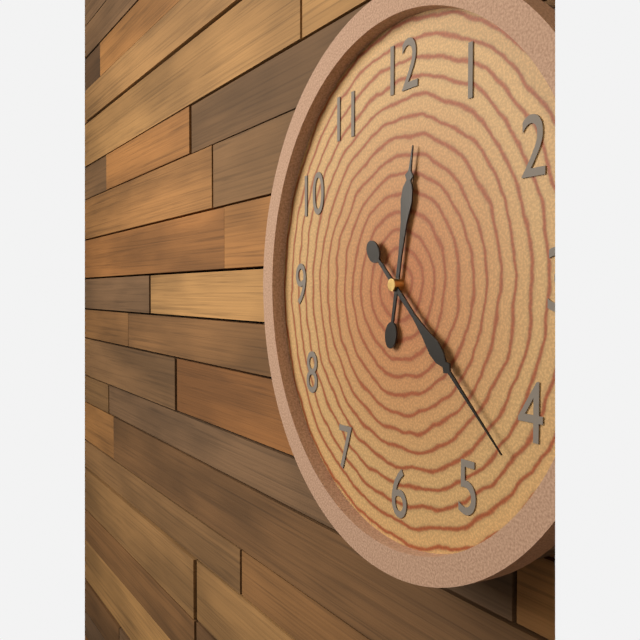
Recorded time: **12:22**
